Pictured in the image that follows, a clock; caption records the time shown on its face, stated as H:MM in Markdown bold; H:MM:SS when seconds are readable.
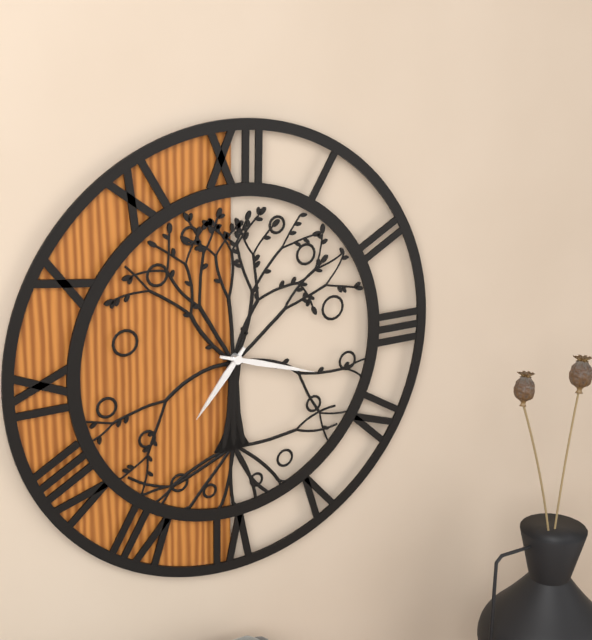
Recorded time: **7:18**
